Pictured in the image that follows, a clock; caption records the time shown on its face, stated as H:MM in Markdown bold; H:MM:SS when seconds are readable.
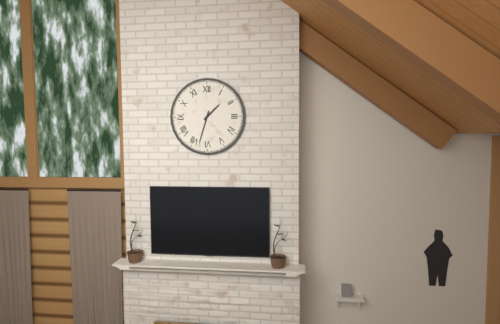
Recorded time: **1:33**
